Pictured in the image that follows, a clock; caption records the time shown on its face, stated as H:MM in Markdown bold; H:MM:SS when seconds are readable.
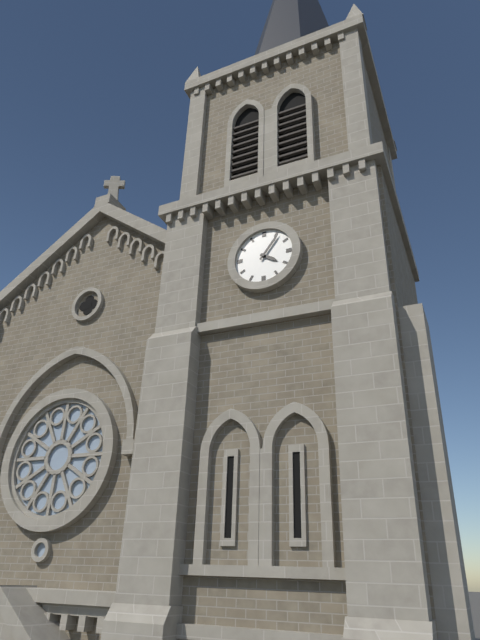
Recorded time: **4:06**
